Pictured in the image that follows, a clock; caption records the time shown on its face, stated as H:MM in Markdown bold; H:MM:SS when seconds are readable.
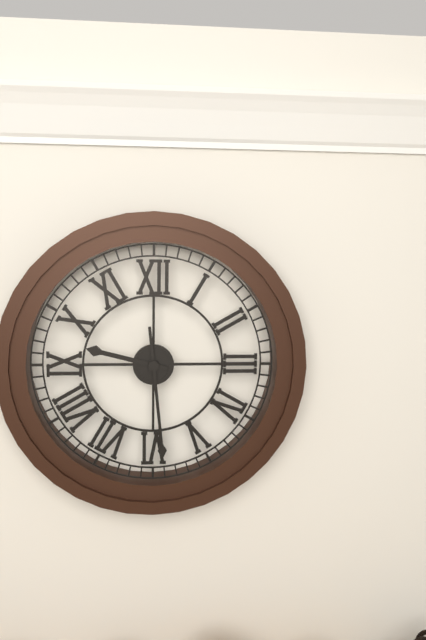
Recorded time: **9:29**
